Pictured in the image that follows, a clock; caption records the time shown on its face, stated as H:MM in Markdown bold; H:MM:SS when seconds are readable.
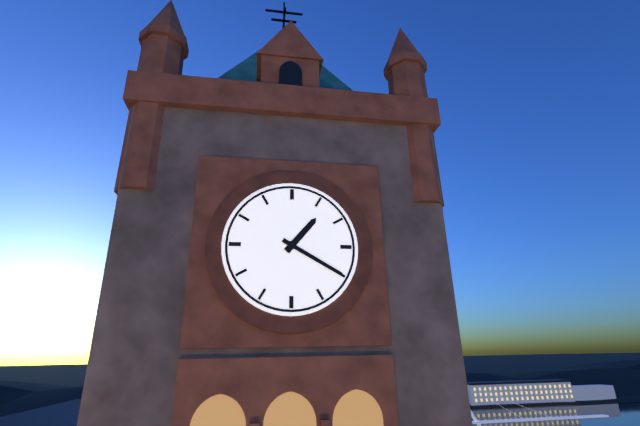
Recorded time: **1:20**
